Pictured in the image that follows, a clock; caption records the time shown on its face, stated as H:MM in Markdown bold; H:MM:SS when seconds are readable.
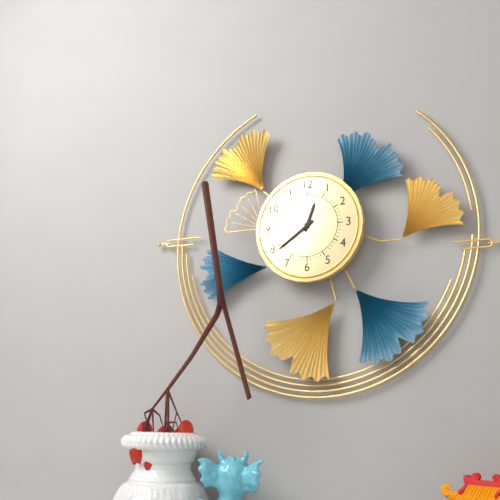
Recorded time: **12:39**
